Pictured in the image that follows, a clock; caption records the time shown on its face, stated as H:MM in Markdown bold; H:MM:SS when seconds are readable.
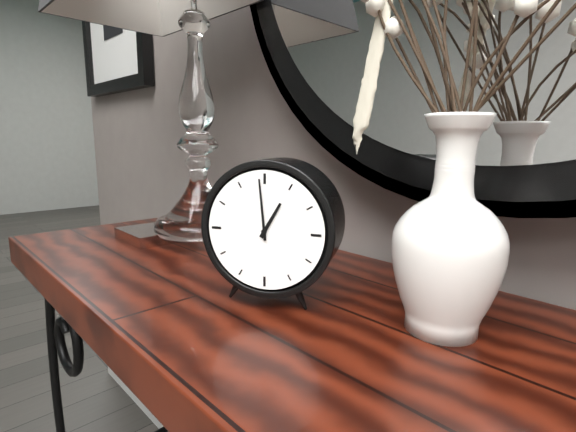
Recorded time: **12:59**
